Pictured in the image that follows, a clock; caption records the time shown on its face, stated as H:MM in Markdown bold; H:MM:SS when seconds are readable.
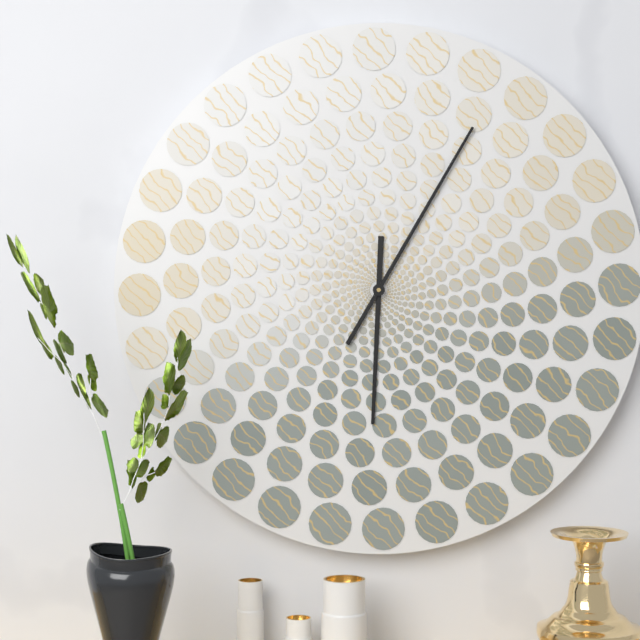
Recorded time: **6:05**
